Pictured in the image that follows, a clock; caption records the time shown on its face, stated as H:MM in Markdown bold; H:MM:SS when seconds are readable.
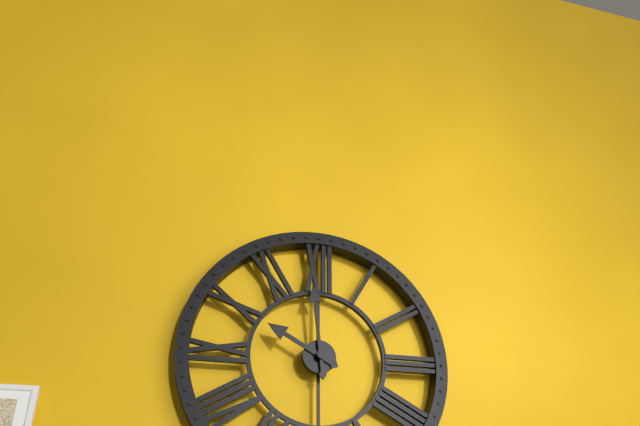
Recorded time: **9:59**
